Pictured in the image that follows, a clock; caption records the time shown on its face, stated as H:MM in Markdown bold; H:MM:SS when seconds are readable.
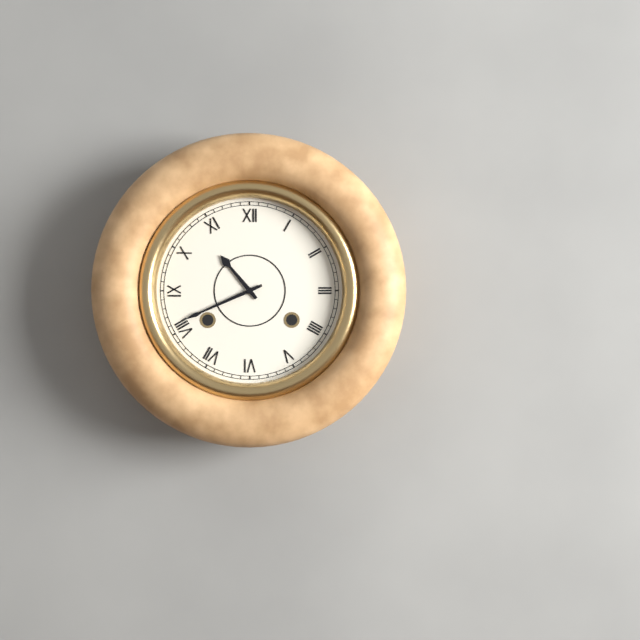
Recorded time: **10:41**
